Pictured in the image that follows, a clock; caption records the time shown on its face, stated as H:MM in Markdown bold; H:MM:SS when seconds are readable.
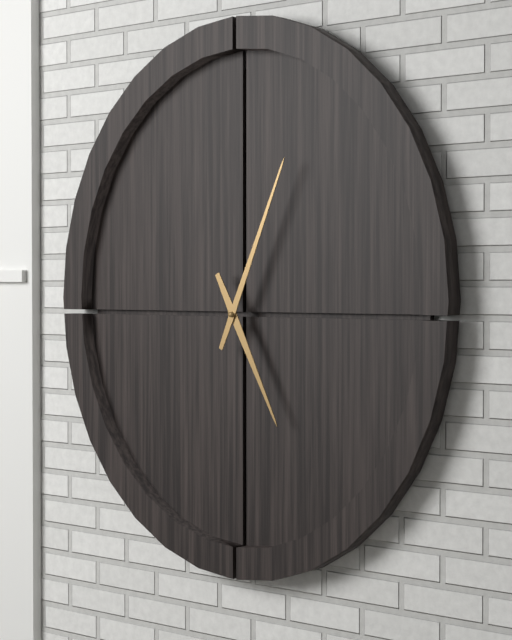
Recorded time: **5:04**
